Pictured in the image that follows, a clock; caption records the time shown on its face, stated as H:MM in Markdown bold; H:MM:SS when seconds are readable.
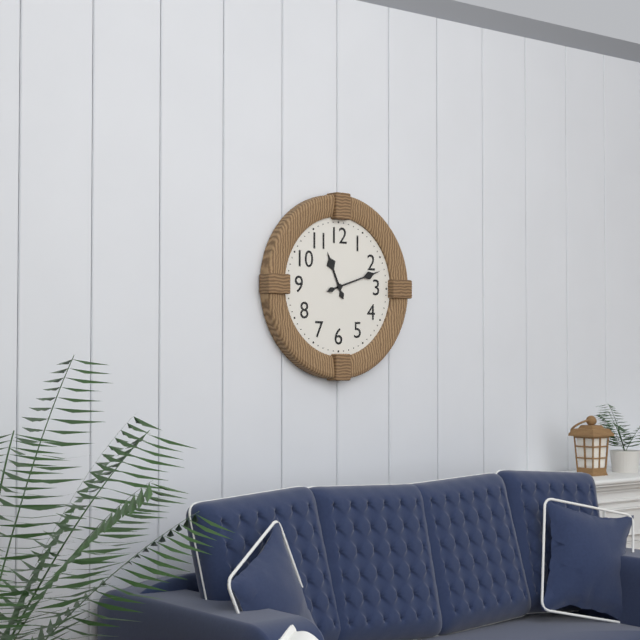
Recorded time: **11:12**
